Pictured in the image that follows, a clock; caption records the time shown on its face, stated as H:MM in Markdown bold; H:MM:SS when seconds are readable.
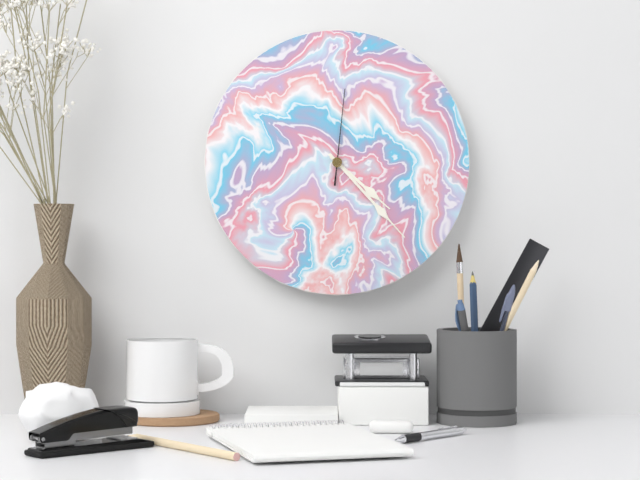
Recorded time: **4:23:01**
